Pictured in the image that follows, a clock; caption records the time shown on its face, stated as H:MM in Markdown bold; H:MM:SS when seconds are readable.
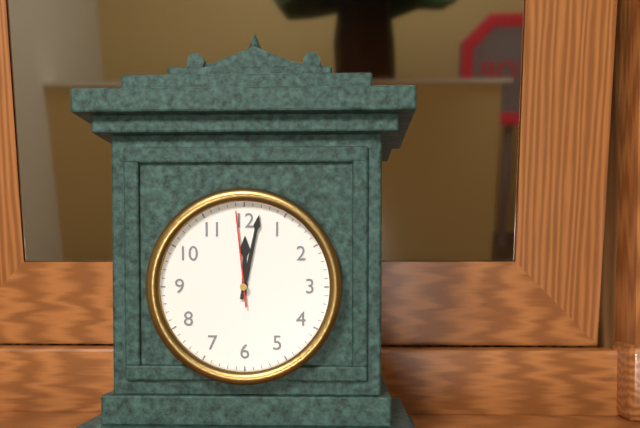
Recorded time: **12:02:59**
